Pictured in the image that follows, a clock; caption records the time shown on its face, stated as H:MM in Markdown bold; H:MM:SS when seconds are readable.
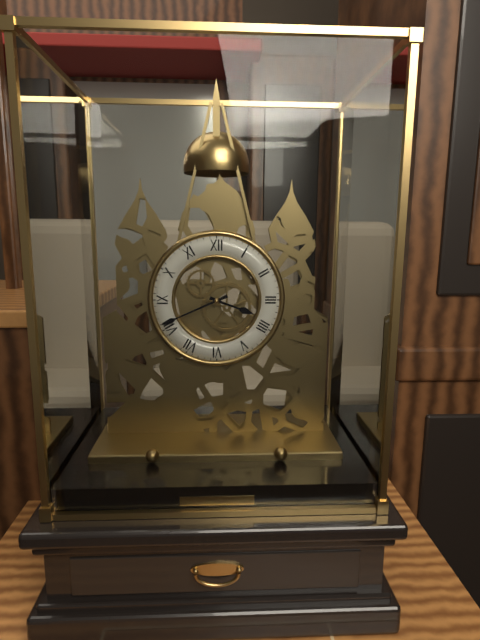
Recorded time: **3:41**
